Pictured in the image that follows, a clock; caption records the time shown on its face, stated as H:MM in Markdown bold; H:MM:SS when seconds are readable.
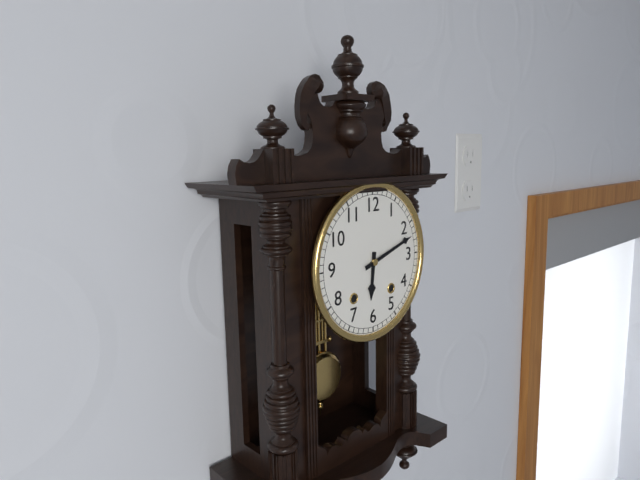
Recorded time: **6:12**
